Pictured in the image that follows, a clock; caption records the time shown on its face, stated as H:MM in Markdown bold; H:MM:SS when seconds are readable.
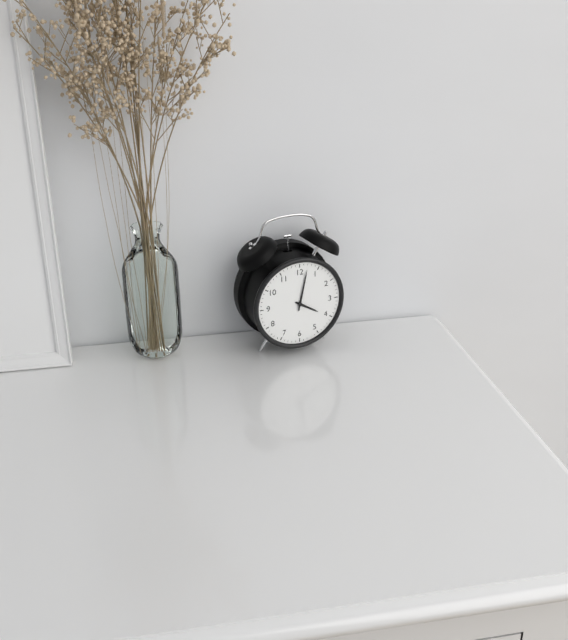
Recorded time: **4:02**
